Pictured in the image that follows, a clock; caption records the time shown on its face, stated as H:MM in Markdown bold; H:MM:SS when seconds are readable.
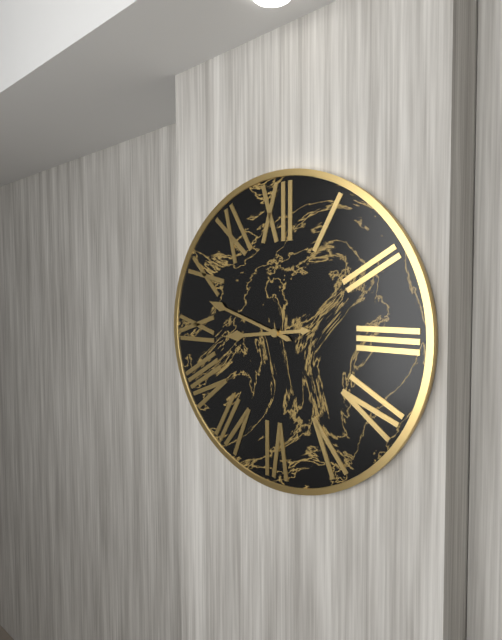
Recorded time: **8:48**
